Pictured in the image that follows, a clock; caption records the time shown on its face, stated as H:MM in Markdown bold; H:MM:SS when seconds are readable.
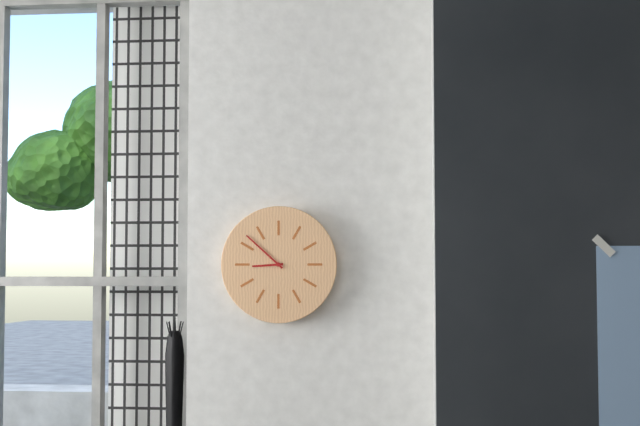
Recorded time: **8:52**
